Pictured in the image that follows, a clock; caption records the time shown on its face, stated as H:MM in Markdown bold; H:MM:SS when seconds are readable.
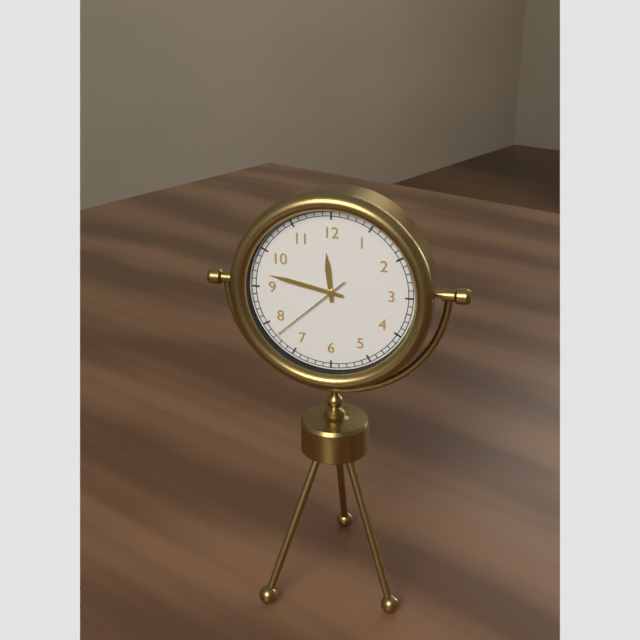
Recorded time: **11:47:38**
